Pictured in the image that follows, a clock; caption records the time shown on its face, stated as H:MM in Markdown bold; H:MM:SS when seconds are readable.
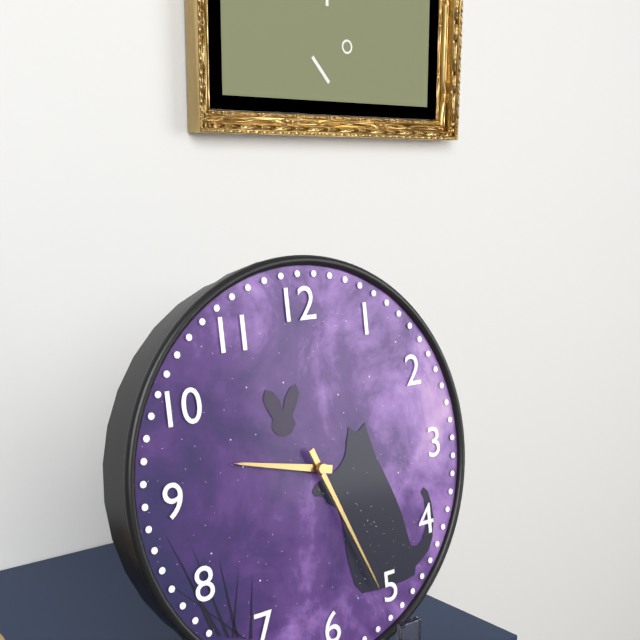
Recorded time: **9:26**
